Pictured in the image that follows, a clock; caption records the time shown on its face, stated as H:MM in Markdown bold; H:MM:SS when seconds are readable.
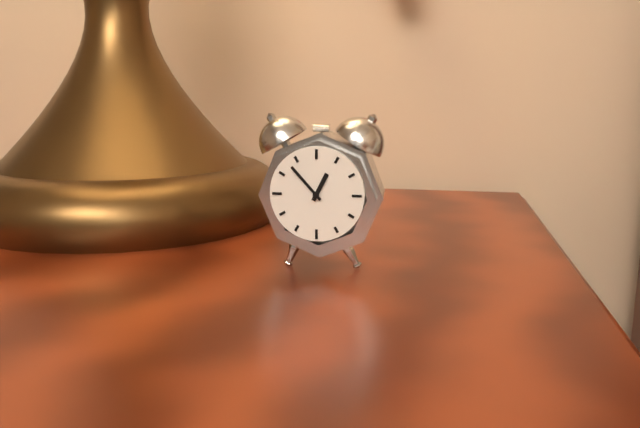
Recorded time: **12:53**
